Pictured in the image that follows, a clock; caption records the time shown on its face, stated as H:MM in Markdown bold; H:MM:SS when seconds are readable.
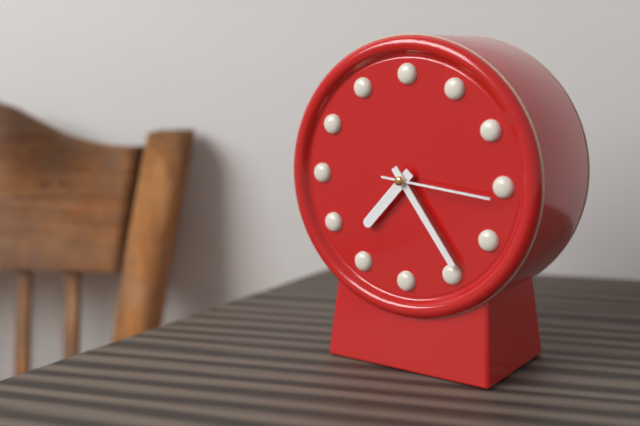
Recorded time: **7:24:16**
